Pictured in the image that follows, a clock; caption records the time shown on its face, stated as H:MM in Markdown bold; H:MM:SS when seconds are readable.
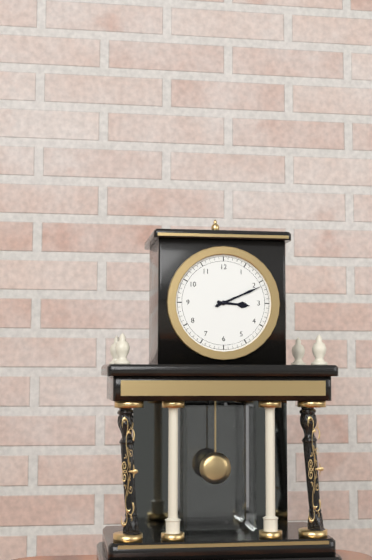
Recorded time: **3:11**
